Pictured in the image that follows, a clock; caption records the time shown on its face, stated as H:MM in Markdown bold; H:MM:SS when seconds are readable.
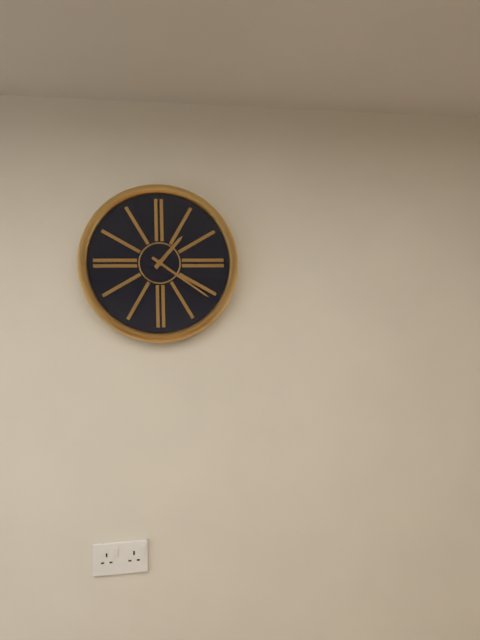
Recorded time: **1:21**
